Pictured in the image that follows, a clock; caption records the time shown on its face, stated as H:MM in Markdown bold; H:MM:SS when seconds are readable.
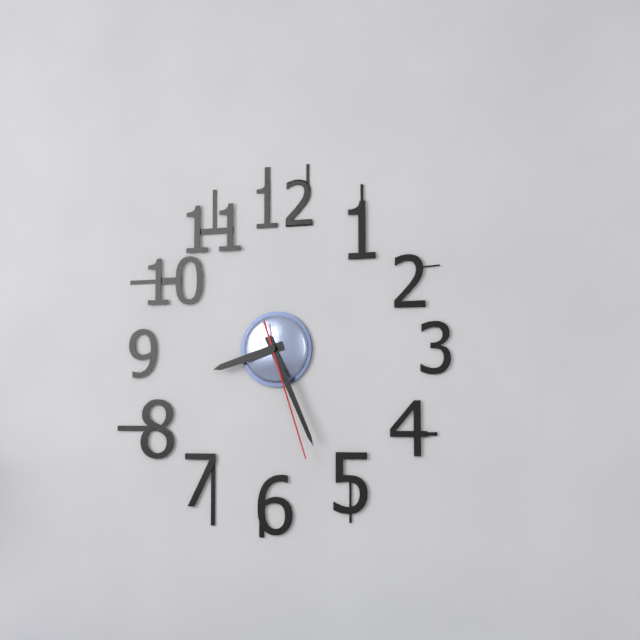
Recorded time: **8:26:27**
